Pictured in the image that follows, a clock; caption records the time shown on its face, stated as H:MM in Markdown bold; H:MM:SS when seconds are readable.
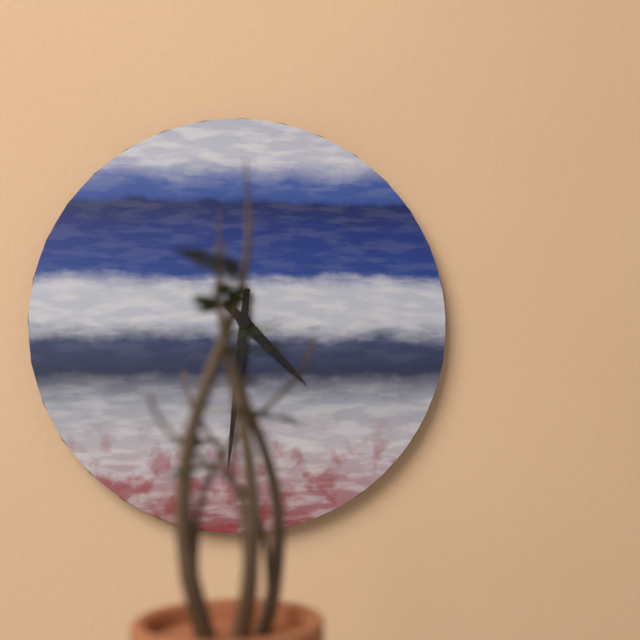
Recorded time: **4:31**
